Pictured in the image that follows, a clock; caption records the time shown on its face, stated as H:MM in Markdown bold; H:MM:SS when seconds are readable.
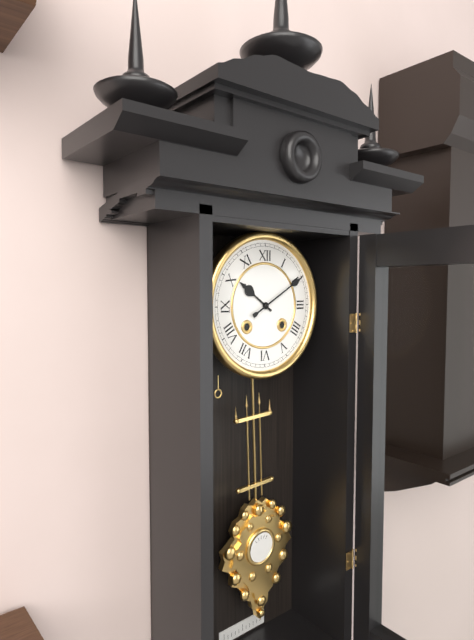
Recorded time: **10:10**
